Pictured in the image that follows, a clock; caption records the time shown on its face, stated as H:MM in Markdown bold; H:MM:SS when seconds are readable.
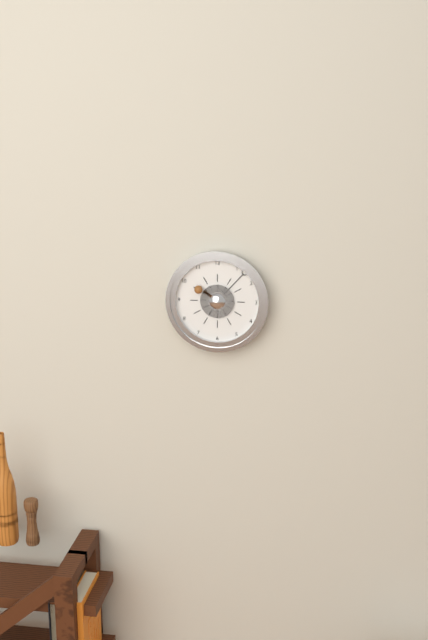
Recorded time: **10:07**
